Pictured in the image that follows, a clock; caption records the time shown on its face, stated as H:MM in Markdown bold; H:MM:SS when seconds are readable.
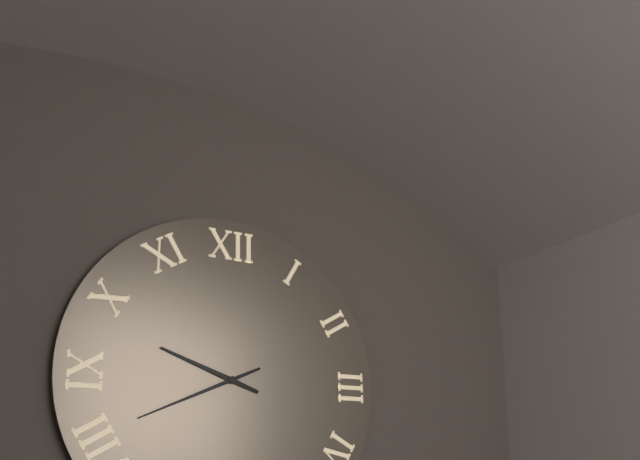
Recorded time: **9:41**
